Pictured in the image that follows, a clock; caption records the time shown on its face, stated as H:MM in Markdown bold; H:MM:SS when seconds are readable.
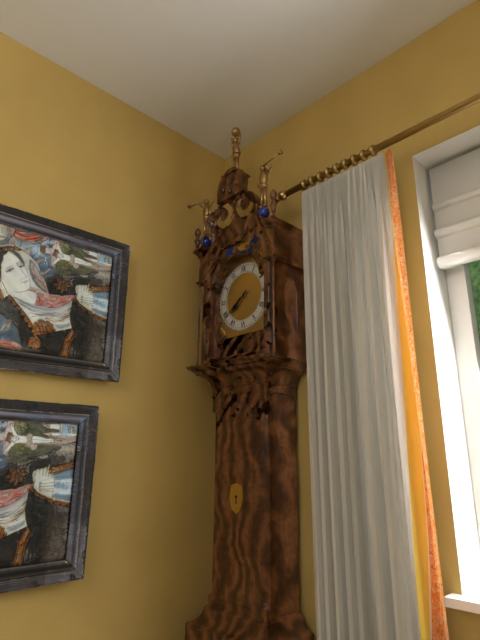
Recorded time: **7:39**
